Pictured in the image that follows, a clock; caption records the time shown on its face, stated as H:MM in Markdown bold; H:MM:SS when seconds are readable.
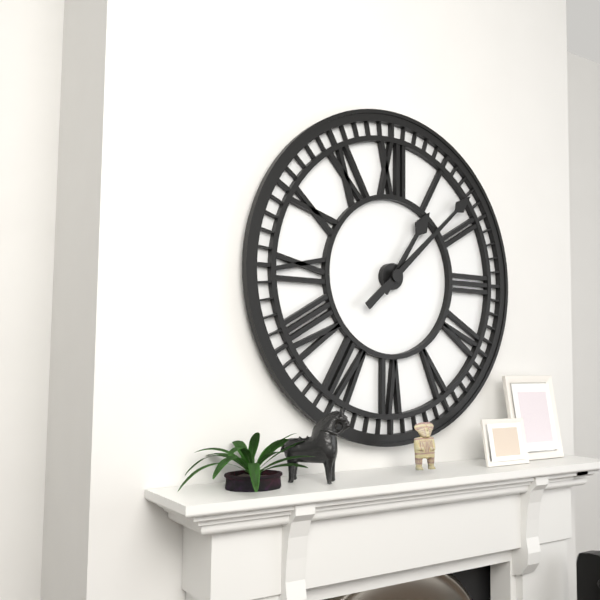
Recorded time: **1:08**
